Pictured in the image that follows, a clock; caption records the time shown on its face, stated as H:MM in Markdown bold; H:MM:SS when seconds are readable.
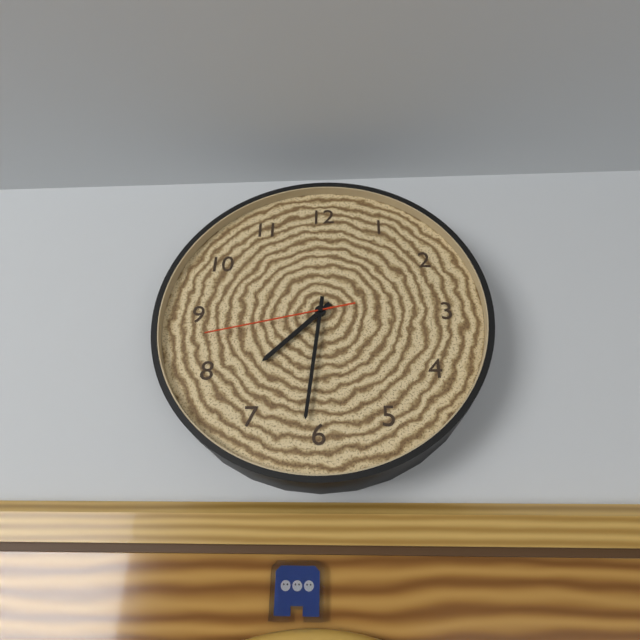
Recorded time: **7:31:43**
